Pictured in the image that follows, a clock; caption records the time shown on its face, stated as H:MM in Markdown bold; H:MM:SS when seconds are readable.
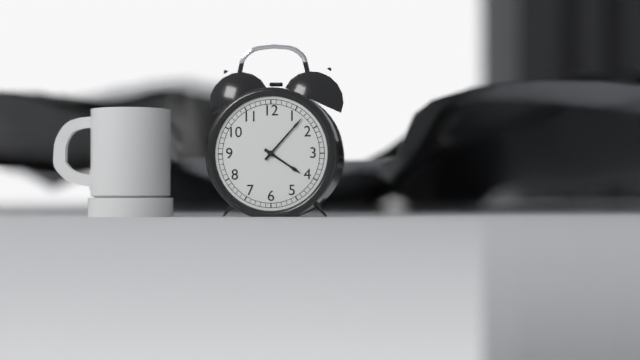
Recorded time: **4:07**
